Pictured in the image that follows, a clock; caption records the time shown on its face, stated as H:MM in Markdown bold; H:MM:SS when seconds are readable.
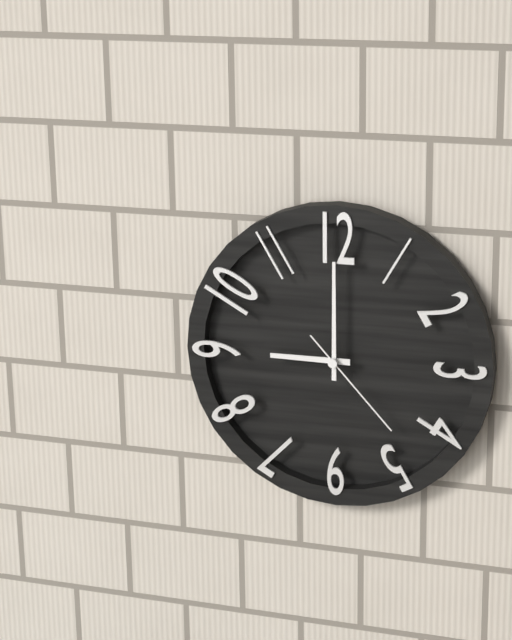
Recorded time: **9:00:23**
